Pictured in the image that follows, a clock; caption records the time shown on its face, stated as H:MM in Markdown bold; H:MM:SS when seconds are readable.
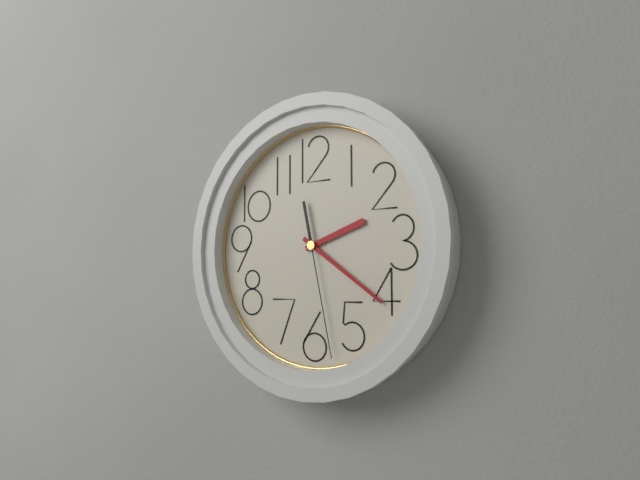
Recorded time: **2:21:28**
